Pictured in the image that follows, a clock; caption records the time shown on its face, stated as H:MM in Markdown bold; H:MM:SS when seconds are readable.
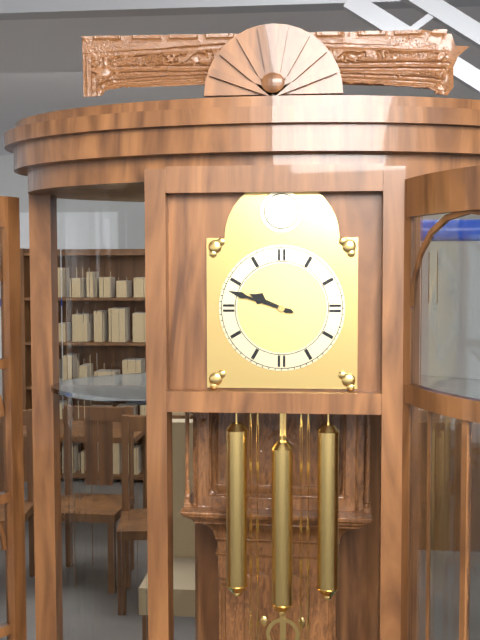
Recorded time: **9:48**
